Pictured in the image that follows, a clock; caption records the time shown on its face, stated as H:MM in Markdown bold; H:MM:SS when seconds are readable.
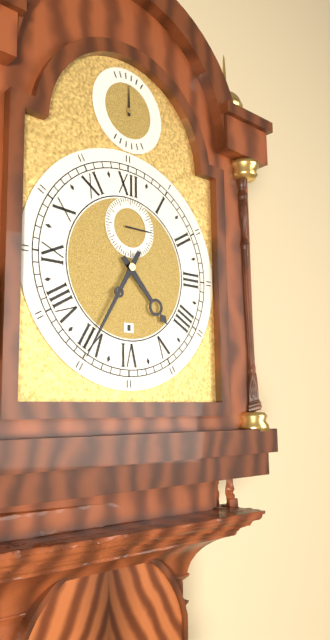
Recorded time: **4:35**
